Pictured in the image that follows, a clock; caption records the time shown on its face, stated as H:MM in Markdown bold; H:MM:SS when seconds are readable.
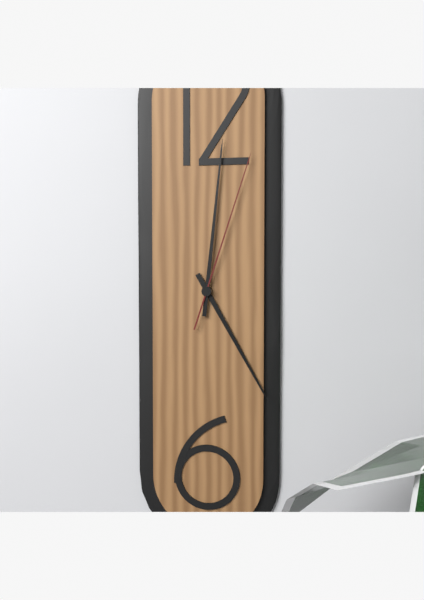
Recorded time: **5:01:03**
